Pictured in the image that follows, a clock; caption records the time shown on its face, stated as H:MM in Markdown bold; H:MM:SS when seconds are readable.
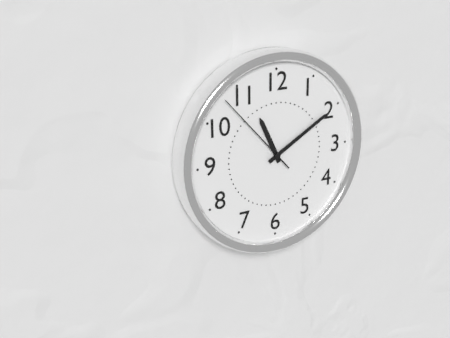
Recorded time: **11:10:53**
